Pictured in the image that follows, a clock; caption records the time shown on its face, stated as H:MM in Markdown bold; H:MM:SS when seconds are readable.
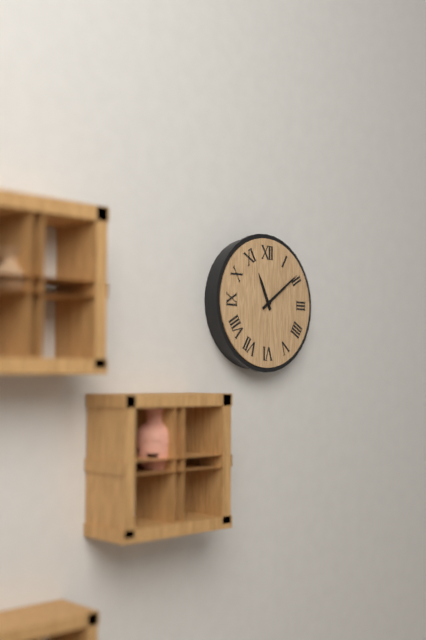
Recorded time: **11:09**
